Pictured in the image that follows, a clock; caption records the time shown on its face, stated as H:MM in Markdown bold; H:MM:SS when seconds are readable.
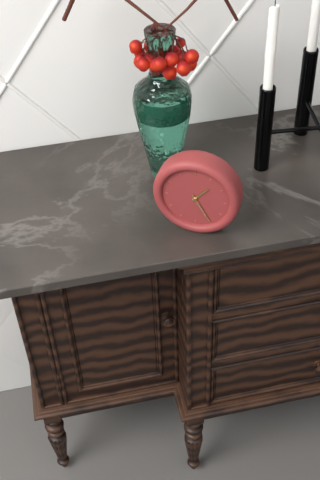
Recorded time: **1:25**
